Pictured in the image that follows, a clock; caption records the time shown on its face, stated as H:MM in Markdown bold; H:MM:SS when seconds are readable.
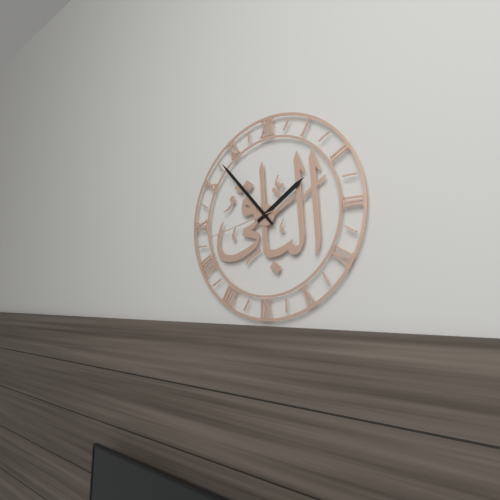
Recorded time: **1:53:43**
